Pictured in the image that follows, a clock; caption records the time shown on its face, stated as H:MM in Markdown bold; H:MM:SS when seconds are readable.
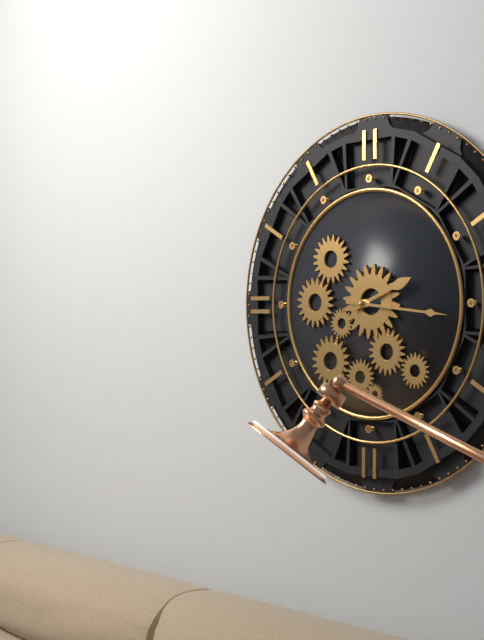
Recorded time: **2:16**
